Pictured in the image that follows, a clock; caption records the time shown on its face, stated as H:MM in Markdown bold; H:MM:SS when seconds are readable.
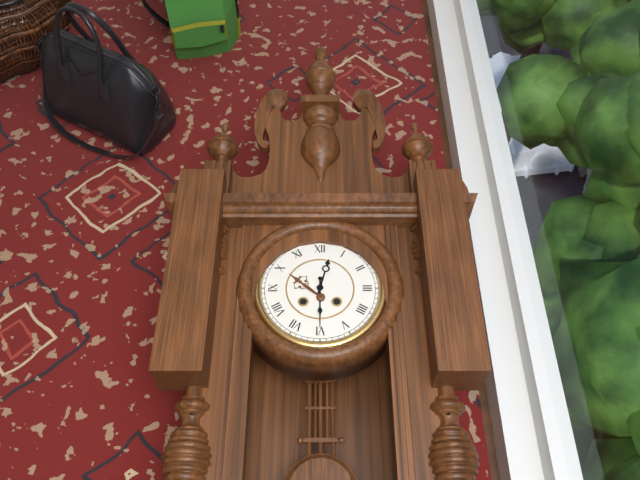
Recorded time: **12:30**
